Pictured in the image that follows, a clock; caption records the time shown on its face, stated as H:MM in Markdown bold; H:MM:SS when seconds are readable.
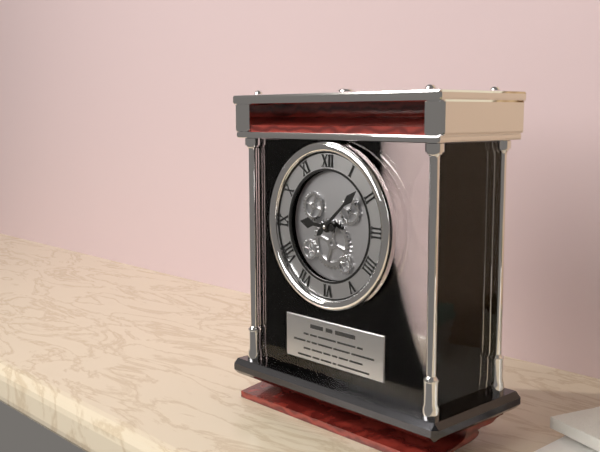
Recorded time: **9:08**
